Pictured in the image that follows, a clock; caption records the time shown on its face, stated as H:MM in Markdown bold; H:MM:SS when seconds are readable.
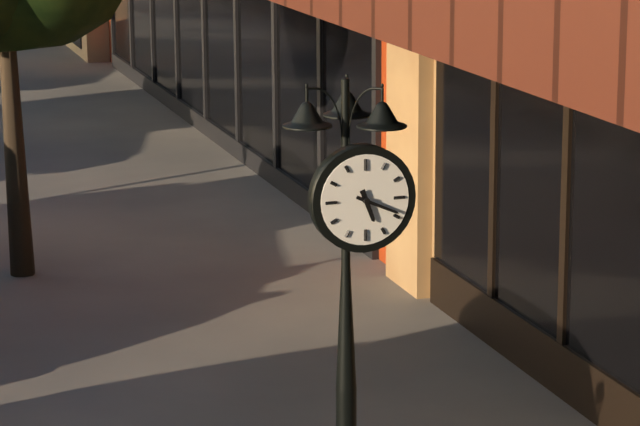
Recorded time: **5:19**
